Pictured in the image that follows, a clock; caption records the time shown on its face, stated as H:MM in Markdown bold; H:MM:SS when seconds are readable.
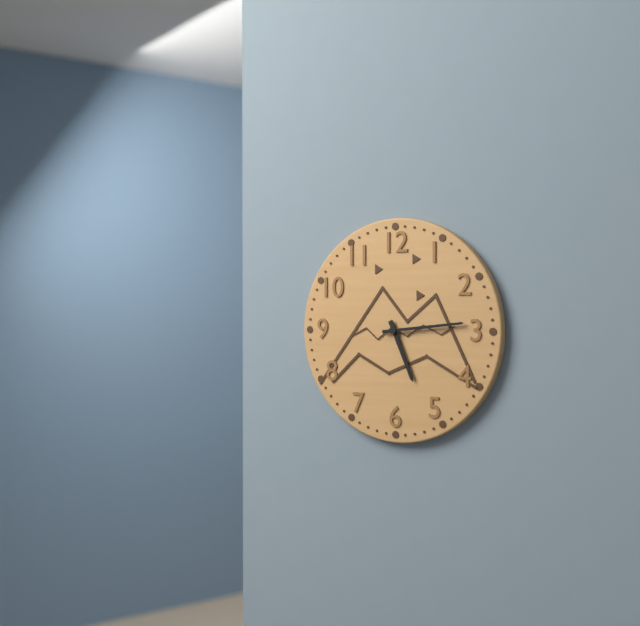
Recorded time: **5:14**
